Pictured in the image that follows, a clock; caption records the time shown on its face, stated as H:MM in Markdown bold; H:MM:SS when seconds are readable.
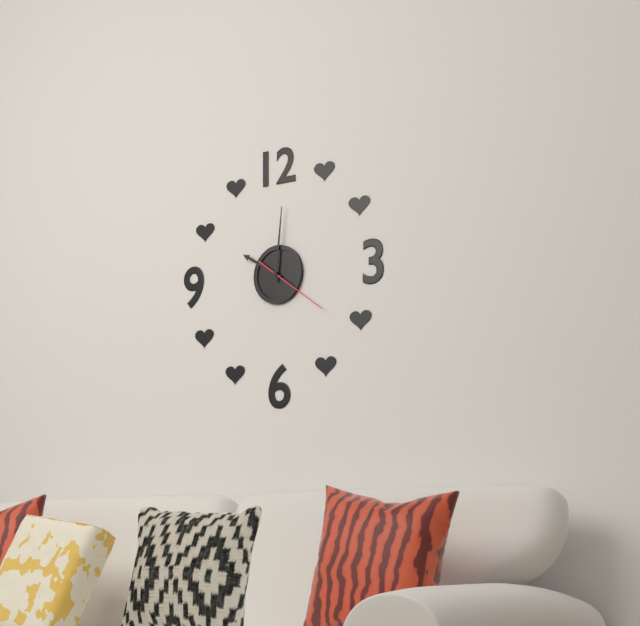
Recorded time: **10:01:21**
